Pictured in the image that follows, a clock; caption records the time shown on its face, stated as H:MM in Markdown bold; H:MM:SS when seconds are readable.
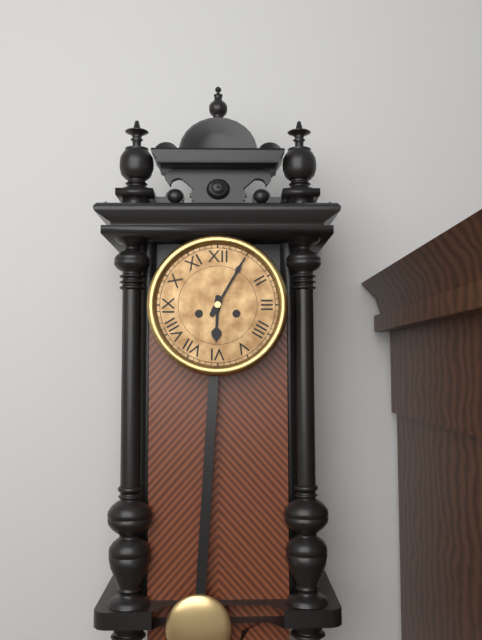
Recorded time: **6:05**
